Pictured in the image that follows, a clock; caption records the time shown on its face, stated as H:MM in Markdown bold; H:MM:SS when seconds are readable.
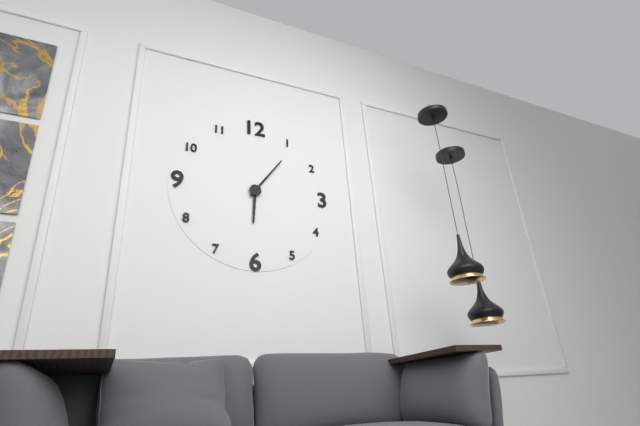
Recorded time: **6:06**
